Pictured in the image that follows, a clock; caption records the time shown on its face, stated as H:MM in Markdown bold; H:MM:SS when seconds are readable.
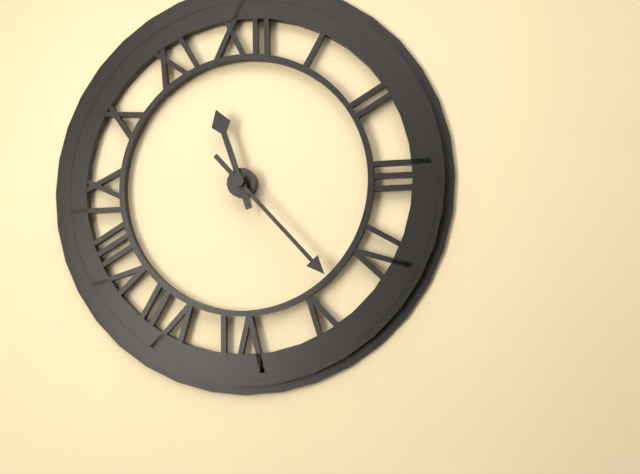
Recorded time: **11:23**
